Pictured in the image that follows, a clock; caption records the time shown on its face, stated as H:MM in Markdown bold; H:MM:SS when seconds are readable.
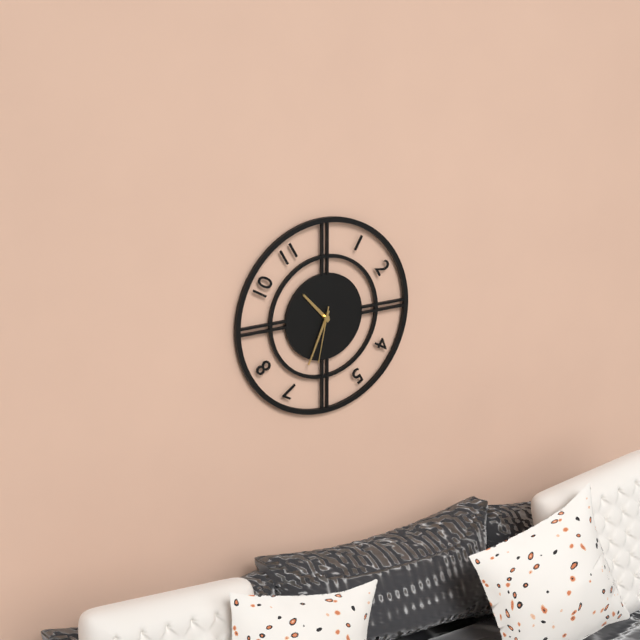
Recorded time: **10:34:32**
